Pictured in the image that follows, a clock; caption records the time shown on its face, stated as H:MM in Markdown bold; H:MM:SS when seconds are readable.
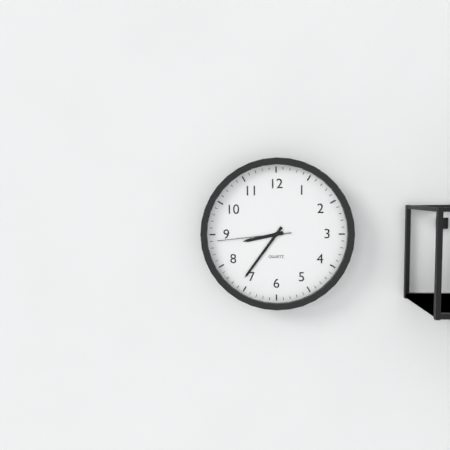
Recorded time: **8:36:44**
